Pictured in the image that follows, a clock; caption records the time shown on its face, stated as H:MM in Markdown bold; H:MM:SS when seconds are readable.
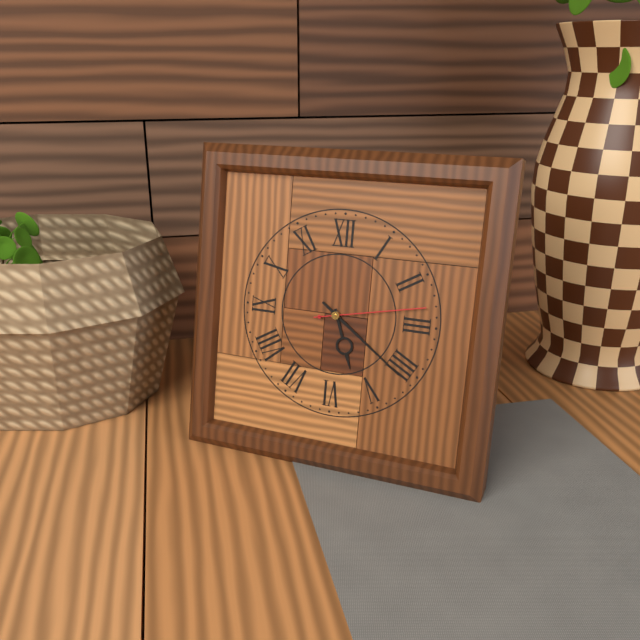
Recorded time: **5:21:13**
